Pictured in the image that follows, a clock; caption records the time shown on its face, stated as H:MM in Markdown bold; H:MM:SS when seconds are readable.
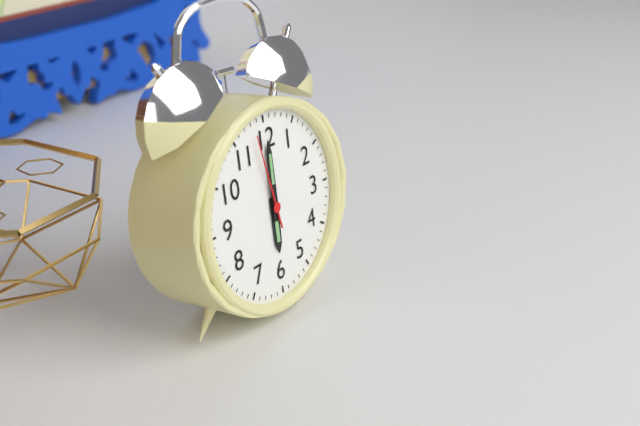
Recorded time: **6:00:58**
